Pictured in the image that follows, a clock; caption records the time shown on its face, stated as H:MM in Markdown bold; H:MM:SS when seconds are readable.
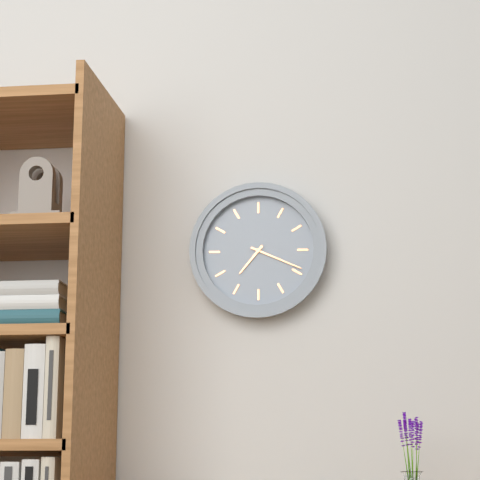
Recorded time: **7:19**
